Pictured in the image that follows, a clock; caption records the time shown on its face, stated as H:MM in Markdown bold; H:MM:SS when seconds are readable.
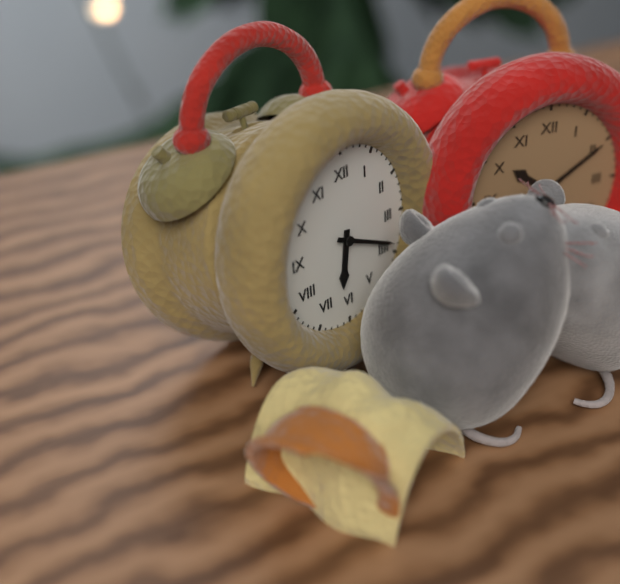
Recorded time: **6:19**
